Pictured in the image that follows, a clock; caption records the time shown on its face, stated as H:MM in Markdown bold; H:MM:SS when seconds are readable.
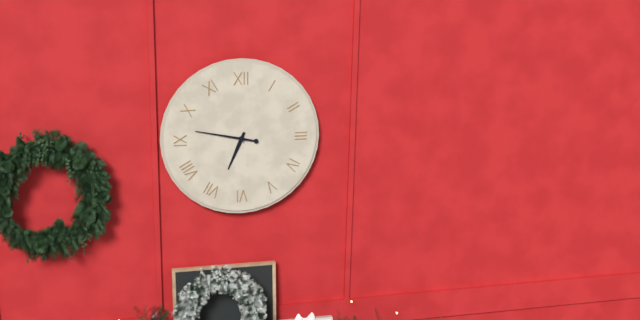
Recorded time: **6:47**
